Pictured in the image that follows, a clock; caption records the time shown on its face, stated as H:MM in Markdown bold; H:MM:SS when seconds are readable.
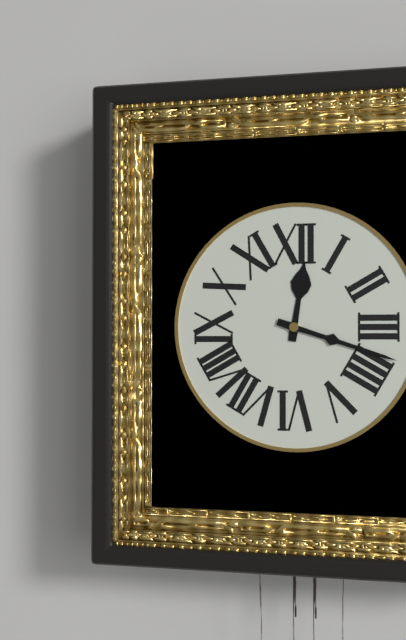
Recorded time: **12:18**
